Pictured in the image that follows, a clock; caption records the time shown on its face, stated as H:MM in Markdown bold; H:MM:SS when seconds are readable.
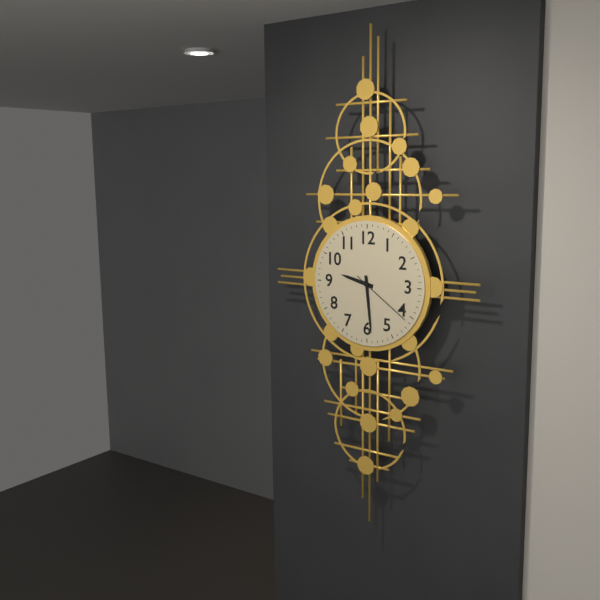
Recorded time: **9:29:21**
